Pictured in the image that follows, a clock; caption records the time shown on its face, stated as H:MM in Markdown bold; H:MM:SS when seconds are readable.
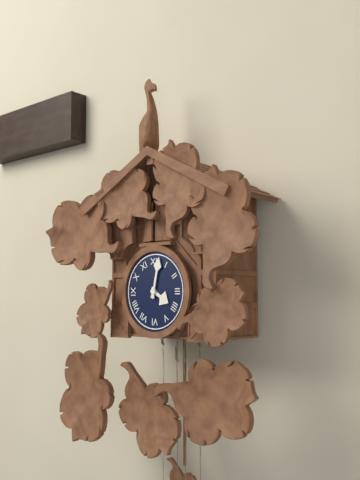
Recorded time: **4:02**
